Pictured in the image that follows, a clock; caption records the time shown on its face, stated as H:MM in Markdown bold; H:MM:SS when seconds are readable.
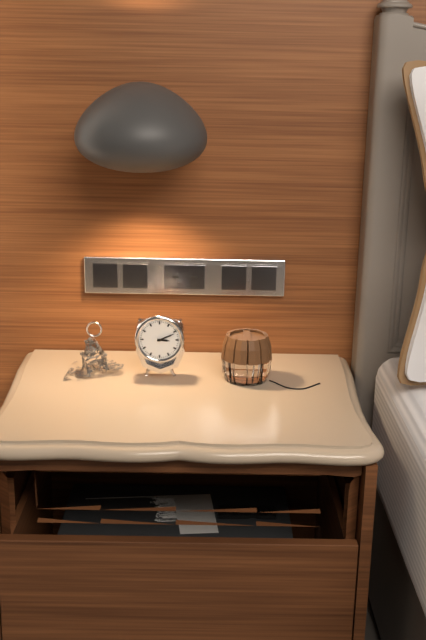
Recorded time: **3:11**
